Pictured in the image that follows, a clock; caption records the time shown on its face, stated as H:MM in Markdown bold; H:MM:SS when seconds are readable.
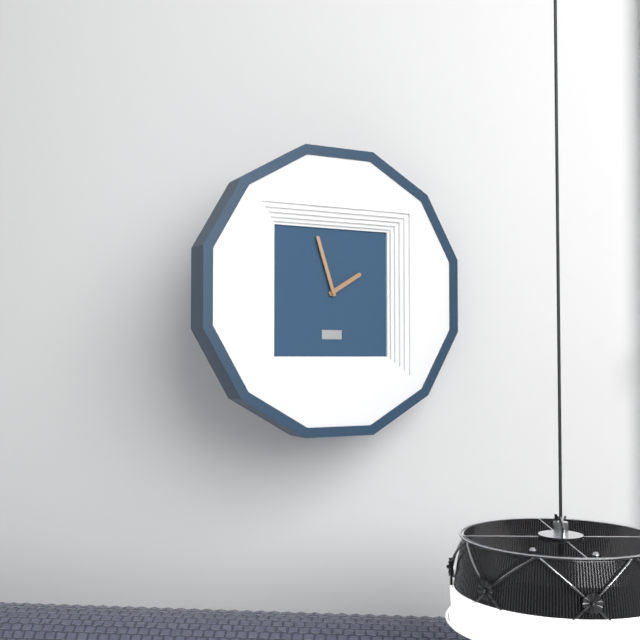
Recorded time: **1:57**
